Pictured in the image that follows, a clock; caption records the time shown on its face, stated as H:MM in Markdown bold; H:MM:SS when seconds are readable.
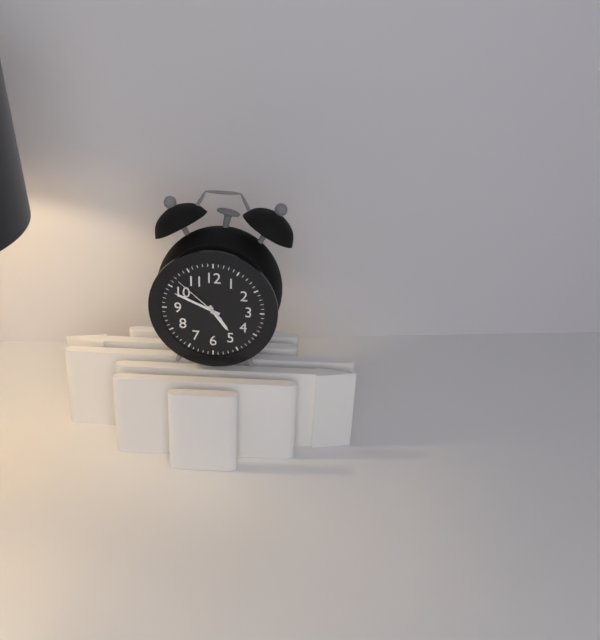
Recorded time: **4:49:52**
